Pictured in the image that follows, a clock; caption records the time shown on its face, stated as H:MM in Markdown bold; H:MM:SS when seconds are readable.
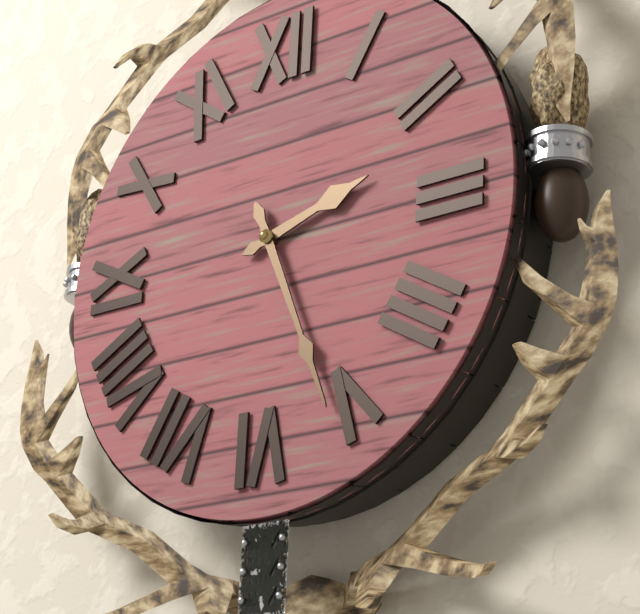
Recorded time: **2:26**
